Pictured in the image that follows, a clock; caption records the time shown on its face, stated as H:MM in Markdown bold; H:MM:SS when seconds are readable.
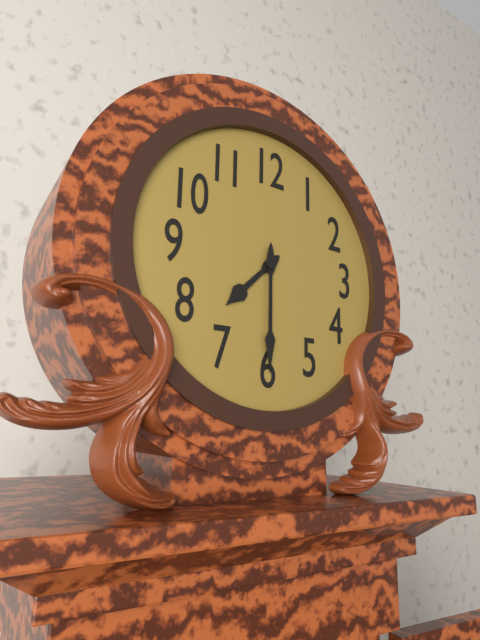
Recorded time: **7:30**
